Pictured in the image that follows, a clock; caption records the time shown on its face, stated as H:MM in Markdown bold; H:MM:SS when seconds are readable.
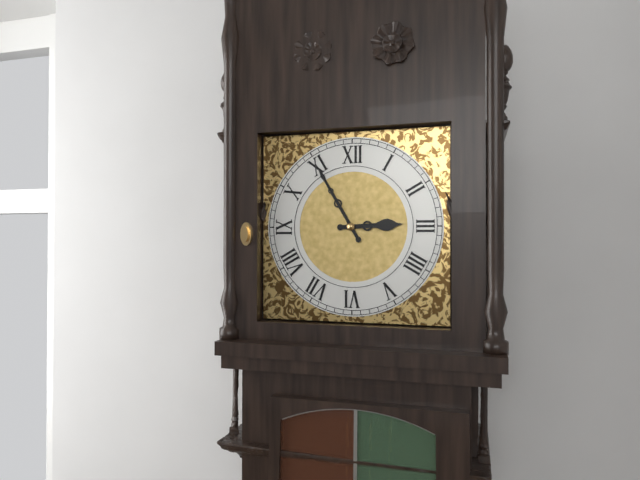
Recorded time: **2:55**
